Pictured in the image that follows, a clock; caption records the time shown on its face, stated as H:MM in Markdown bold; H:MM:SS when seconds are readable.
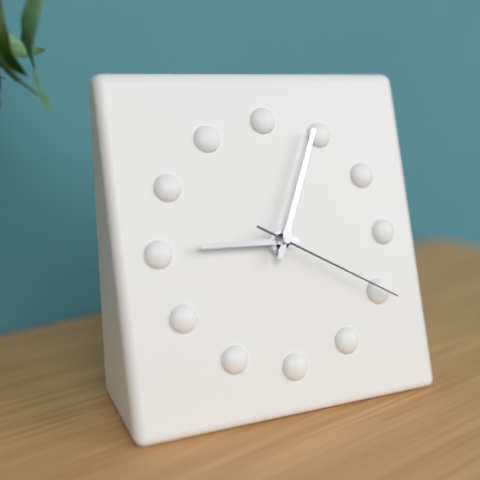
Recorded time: **9:04:20**
